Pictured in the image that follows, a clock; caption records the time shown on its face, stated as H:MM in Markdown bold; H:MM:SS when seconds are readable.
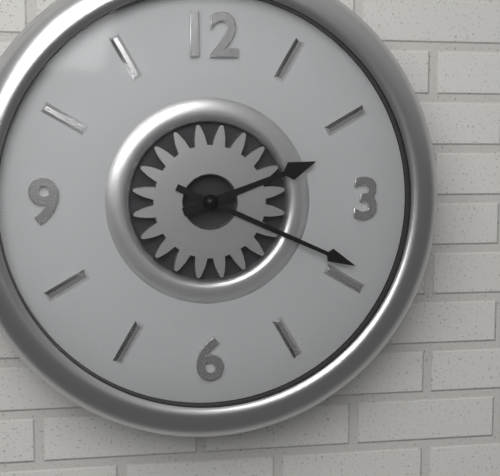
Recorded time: **2:19**
